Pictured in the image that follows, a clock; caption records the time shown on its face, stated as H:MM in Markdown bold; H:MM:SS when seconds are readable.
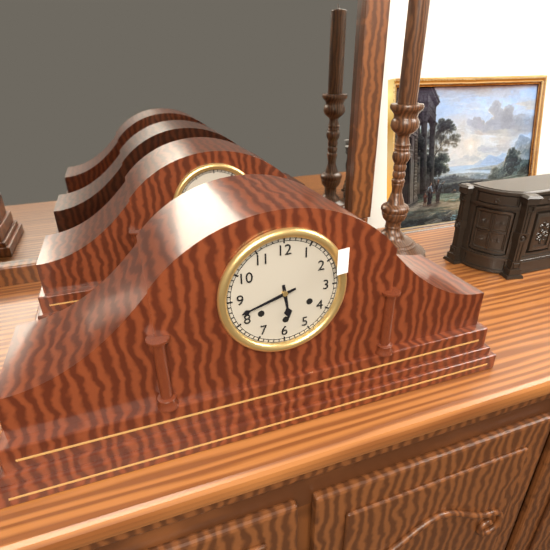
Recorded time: **5:42**
